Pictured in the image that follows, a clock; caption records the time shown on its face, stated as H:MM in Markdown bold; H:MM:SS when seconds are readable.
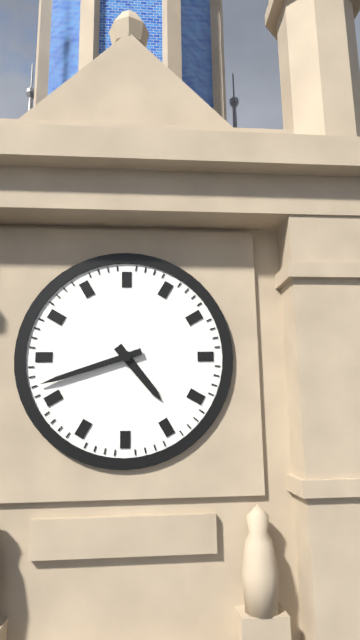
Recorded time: **4:42**
